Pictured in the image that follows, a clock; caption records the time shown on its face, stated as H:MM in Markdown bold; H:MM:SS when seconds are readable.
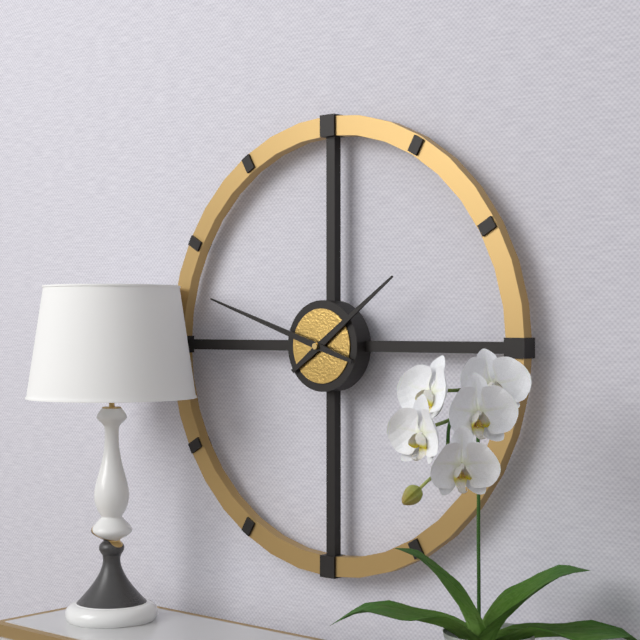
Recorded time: **1:48**
